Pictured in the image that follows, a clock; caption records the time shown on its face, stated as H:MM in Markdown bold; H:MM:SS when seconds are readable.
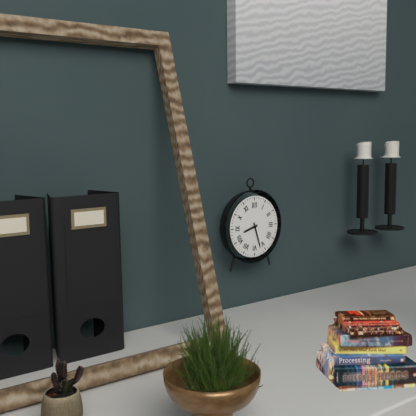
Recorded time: **8:27**
